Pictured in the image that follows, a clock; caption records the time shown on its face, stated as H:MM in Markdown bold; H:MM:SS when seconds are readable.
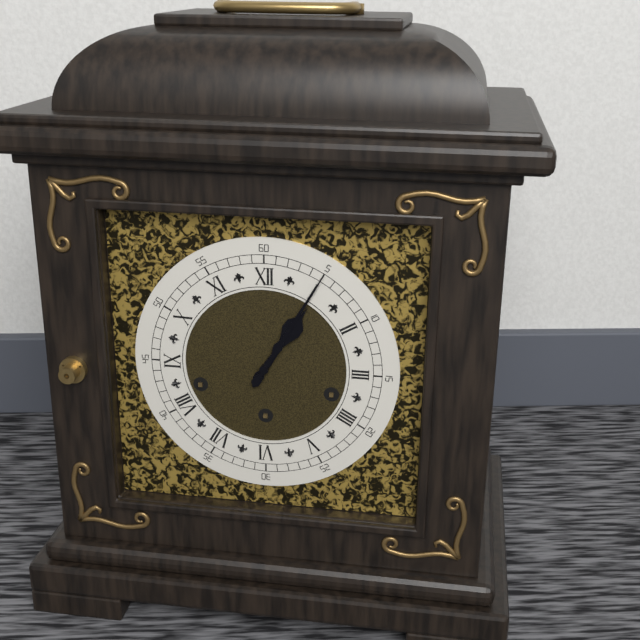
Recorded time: **1:05**
